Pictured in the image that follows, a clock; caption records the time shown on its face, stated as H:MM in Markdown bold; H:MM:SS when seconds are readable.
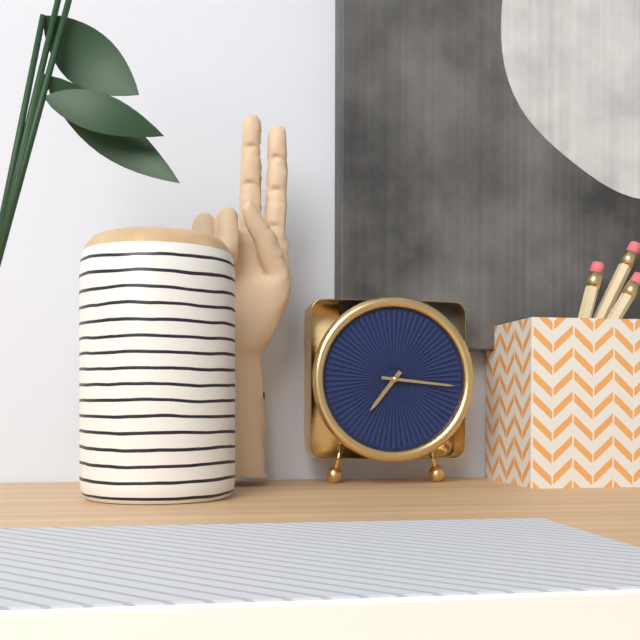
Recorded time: **7:16**
